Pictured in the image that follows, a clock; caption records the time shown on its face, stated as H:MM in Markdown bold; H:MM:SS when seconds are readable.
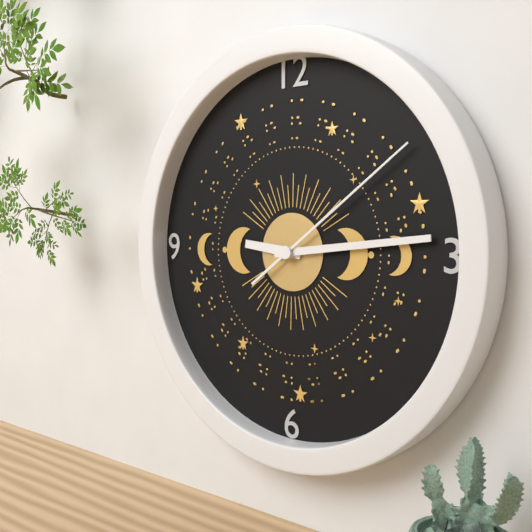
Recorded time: **9:14:09**
